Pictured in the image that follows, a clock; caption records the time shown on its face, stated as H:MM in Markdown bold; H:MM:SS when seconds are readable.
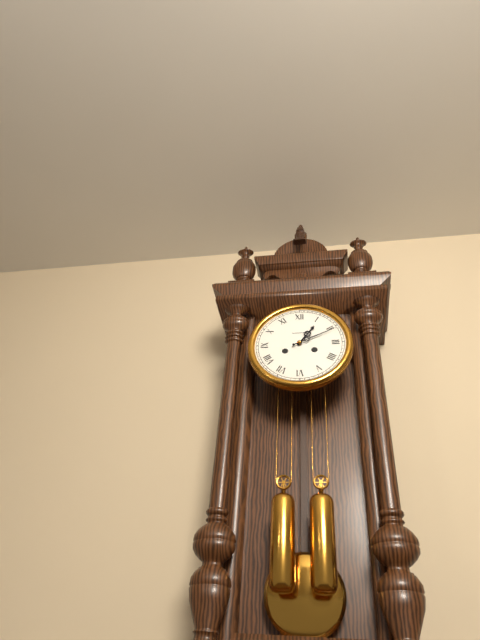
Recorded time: **1:11**
